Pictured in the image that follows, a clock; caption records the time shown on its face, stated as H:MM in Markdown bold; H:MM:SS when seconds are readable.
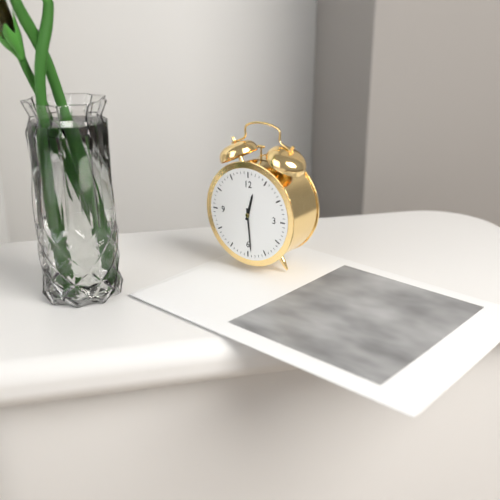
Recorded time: **12:29**
